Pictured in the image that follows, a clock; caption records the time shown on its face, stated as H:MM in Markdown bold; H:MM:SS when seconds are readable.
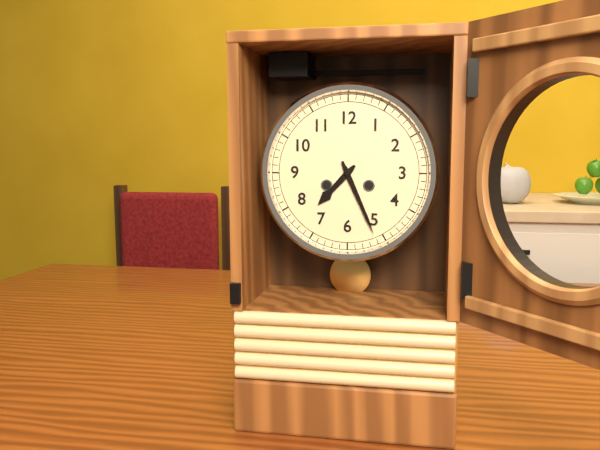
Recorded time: **7:26**
